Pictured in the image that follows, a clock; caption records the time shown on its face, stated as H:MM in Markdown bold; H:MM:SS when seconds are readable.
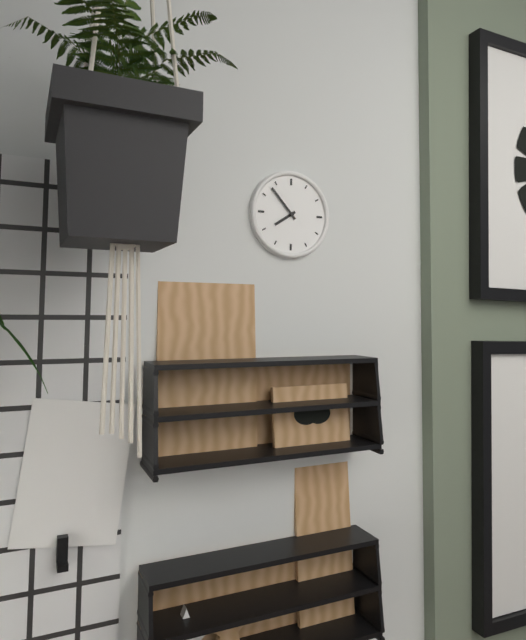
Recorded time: **7:53**
